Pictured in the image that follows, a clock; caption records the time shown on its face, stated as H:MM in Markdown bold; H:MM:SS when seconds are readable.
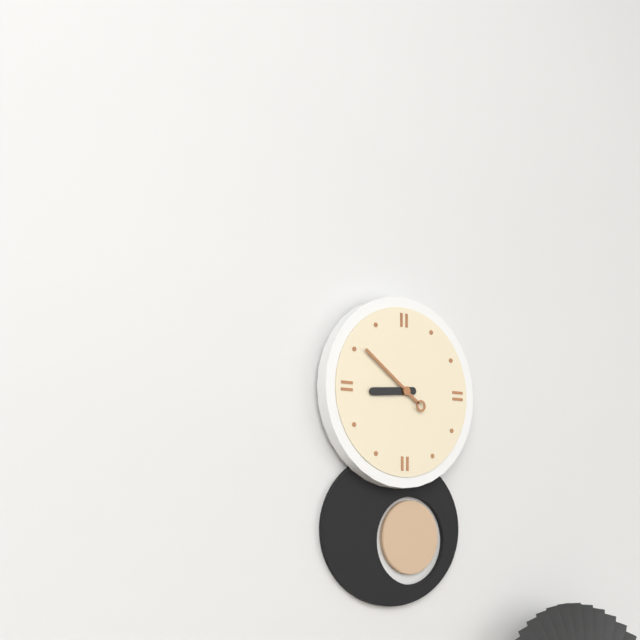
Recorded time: **8:51**
